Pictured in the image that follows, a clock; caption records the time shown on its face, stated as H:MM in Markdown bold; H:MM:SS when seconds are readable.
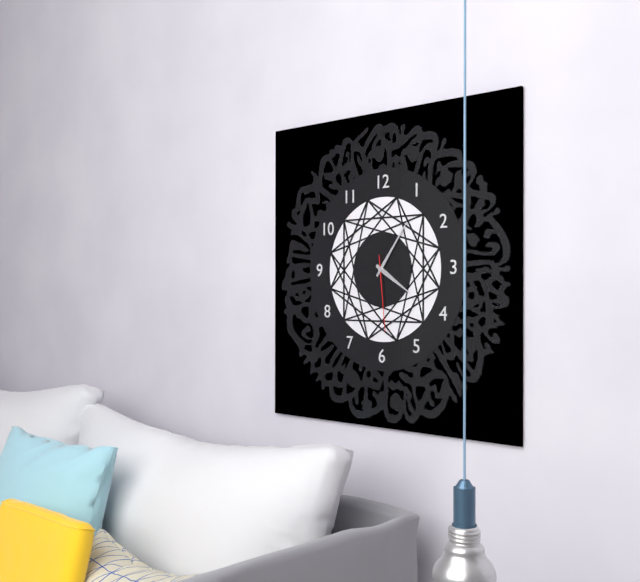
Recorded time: **4:06:29**
